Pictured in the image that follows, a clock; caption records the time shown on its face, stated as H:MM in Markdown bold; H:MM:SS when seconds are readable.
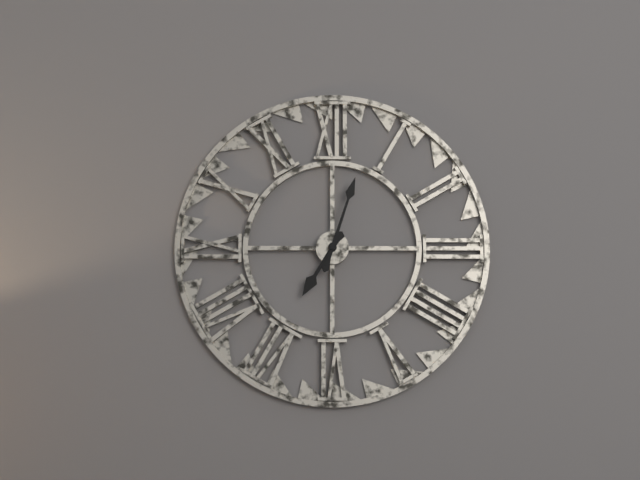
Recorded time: **7:03**
